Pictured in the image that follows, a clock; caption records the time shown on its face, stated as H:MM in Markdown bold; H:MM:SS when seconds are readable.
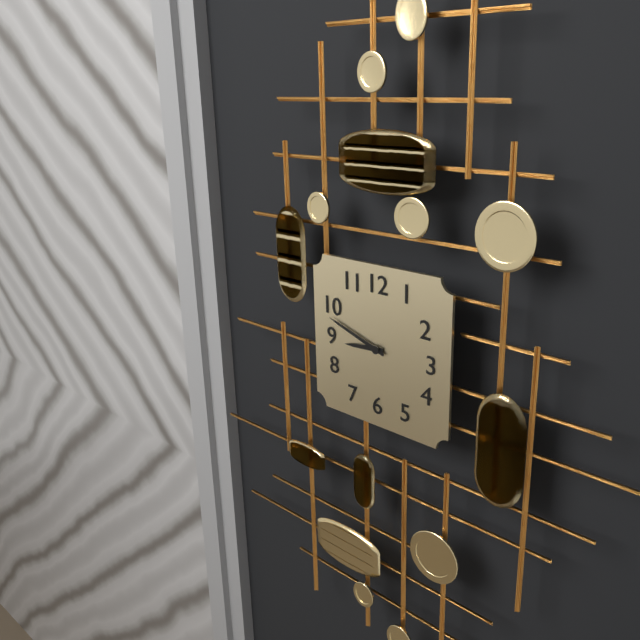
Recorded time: **8:48**
